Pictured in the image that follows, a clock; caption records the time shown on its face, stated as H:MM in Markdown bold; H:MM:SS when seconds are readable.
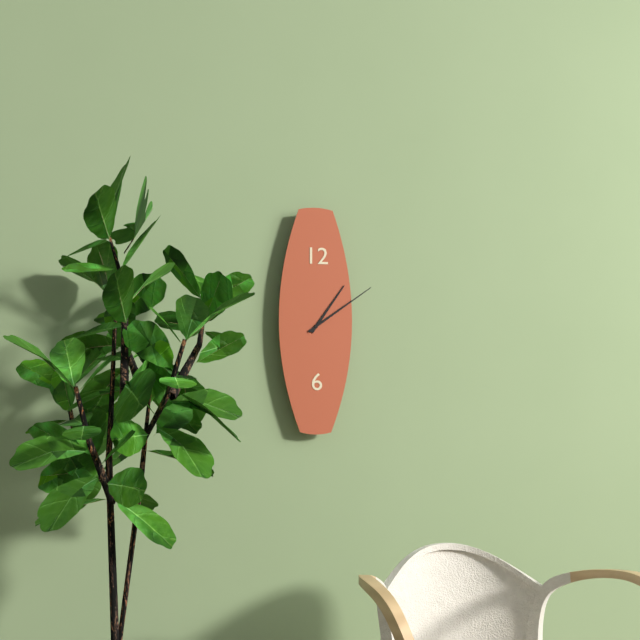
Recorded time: **1:09**
